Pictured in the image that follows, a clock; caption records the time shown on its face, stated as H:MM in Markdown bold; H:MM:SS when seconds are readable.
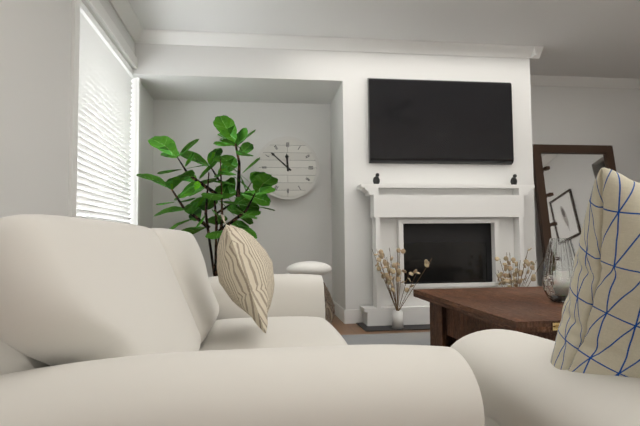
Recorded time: **11:52**
